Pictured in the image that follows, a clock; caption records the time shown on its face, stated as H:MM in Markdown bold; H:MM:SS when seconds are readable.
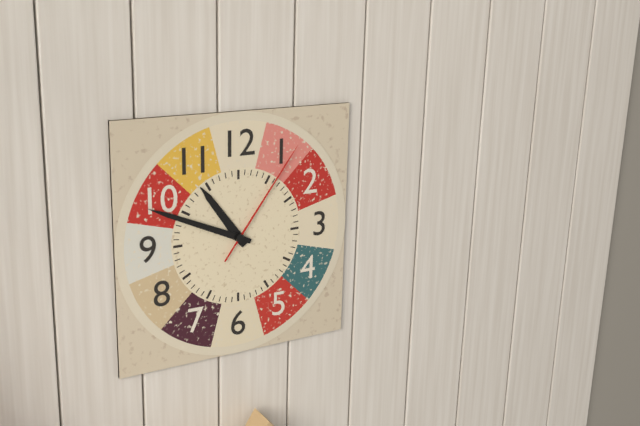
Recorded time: **10:49:06**
